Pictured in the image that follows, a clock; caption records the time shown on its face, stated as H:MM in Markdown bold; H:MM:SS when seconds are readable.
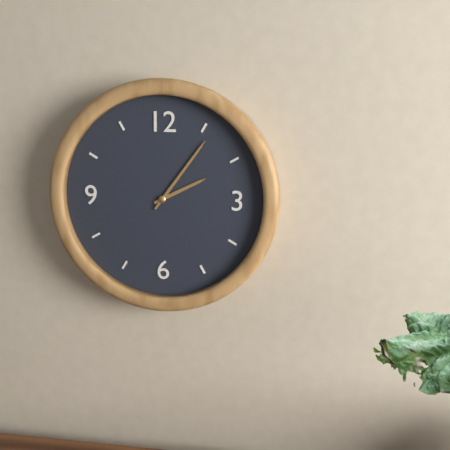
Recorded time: **2:06**
